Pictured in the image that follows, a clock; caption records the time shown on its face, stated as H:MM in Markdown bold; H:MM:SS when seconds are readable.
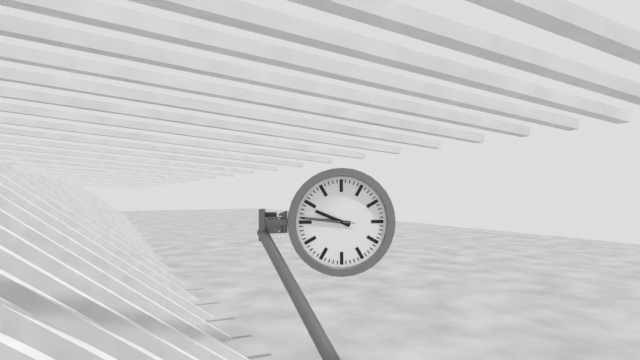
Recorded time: **9:46**
